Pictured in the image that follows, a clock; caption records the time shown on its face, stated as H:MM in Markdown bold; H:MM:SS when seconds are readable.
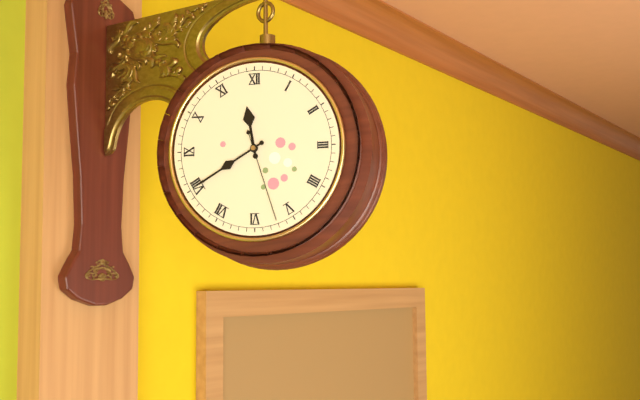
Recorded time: **11:40:27**
